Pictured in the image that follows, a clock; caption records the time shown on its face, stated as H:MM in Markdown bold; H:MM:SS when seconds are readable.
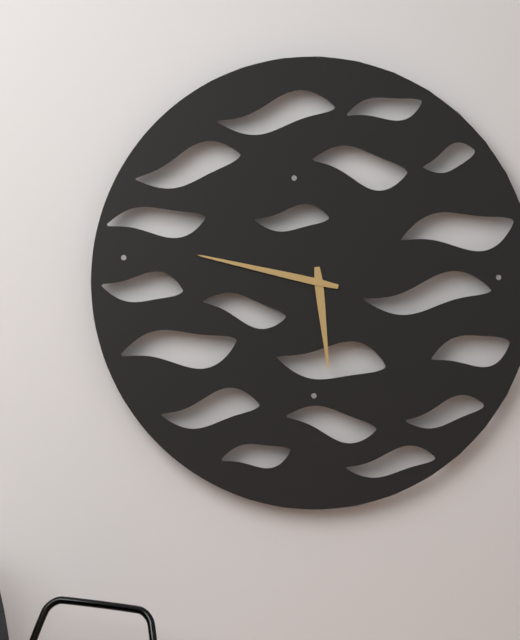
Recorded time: **5:47**
